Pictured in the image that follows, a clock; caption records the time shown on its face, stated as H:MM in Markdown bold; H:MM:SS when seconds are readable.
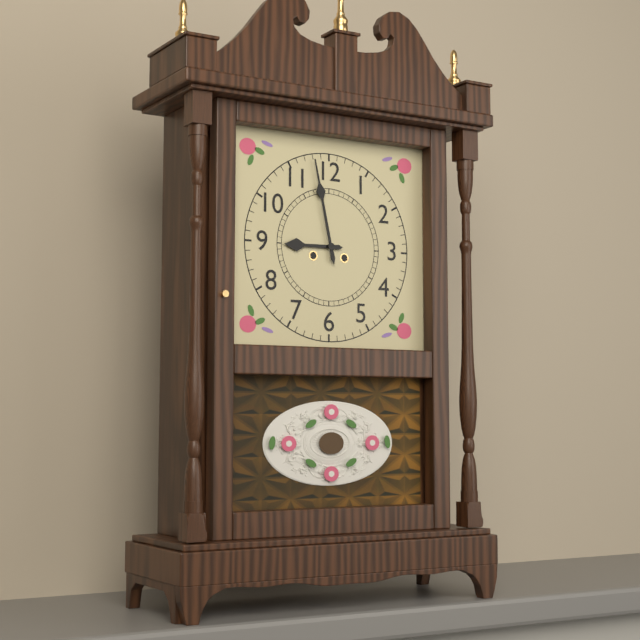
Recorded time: **8:58**
